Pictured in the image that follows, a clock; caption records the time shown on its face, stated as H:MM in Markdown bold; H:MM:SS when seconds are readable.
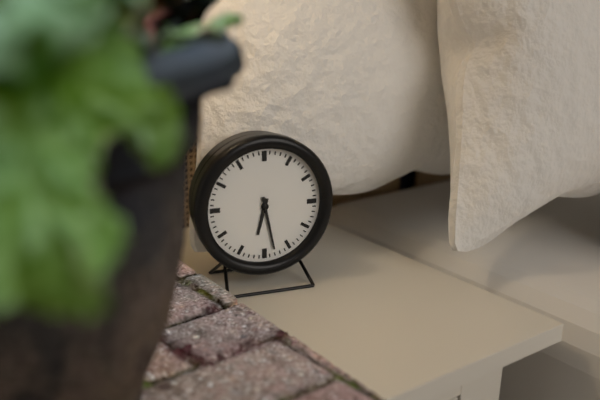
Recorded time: **6:28**
